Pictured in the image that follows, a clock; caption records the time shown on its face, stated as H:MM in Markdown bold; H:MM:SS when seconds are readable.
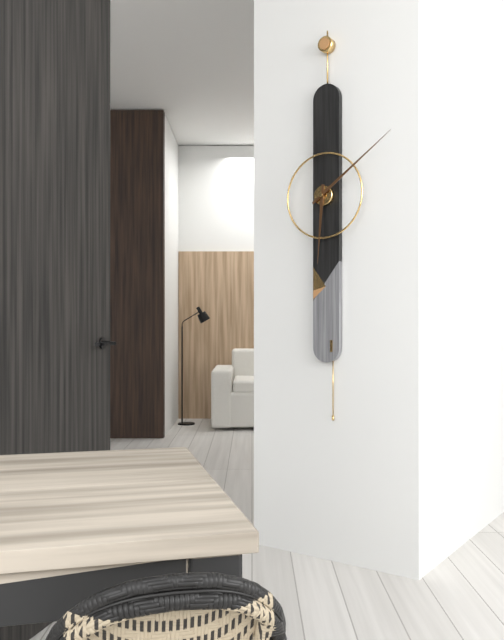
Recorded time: **6:09**
